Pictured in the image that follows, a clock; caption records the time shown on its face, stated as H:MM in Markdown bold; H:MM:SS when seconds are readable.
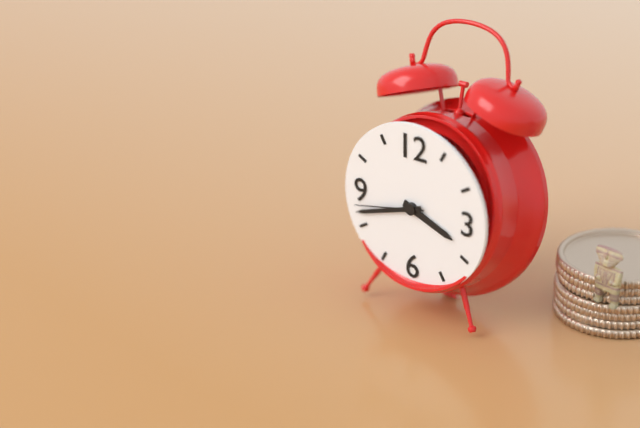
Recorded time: **3:42:43**
